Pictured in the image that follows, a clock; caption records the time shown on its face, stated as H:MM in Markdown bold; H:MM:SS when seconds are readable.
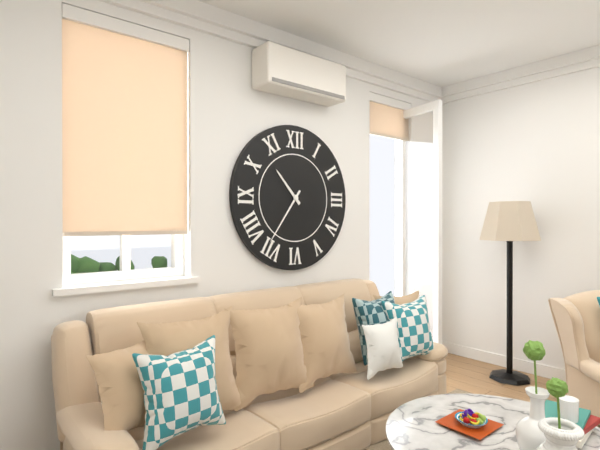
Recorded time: **10:36**
